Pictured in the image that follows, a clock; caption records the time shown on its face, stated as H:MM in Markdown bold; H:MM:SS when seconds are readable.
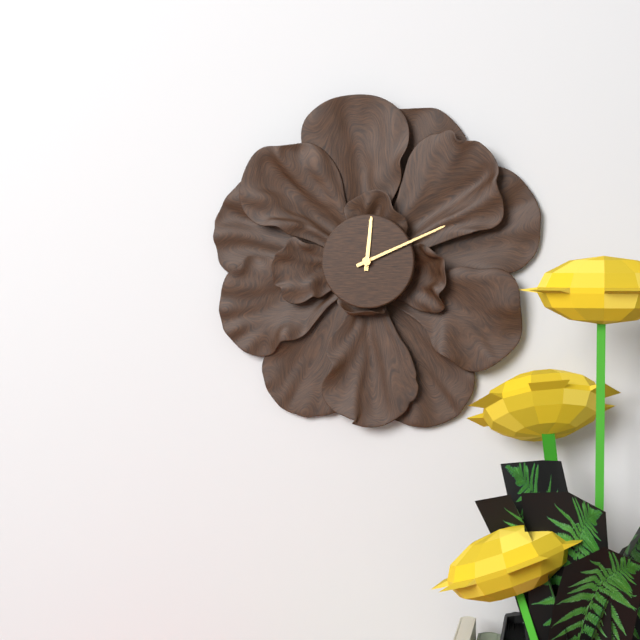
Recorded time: **12:11**
